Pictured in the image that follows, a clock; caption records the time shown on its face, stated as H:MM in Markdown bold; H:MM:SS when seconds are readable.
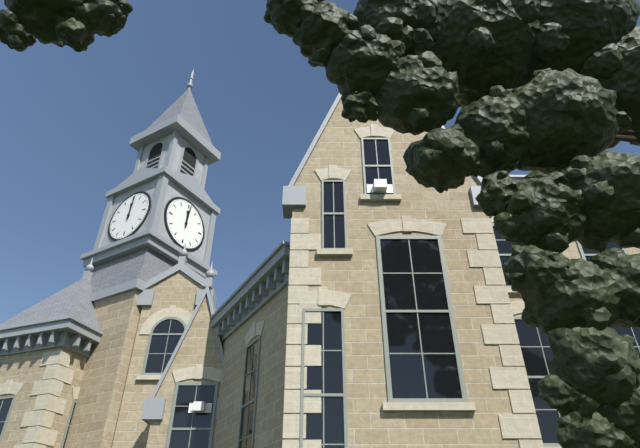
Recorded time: **12:01**
